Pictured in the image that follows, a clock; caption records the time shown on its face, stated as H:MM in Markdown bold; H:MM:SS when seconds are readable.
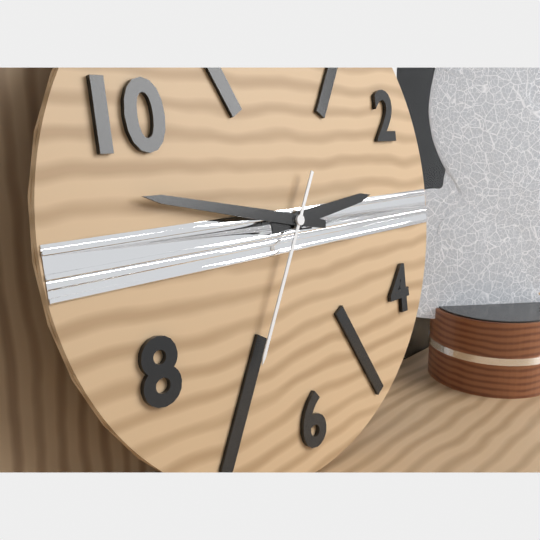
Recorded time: **2:47:35**
